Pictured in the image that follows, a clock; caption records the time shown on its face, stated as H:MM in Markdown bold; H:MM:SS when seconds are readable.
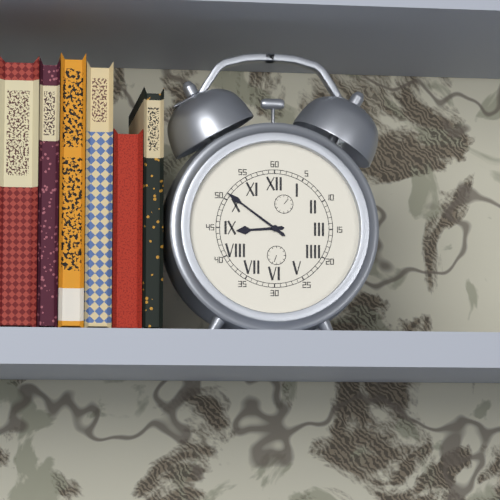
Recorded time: **8:51**
